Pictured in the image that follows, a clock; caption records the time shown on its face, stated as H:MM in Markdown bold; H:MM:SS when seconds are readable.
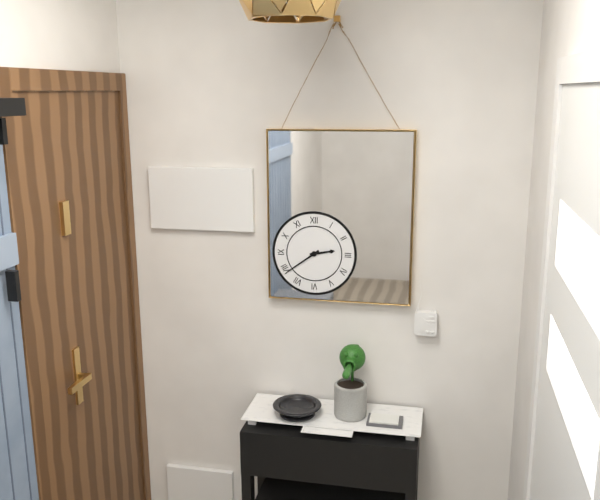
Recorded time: **2:39**
